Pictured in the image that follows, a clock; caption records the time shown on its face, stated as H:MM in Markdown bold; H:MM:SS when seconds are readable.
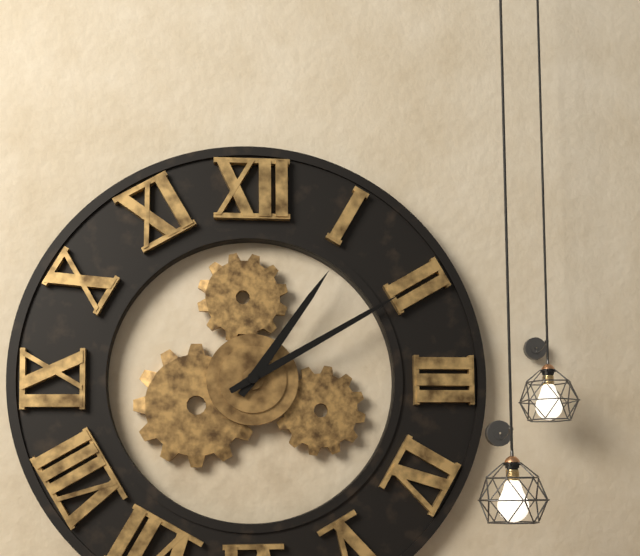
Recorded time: **1:10**
